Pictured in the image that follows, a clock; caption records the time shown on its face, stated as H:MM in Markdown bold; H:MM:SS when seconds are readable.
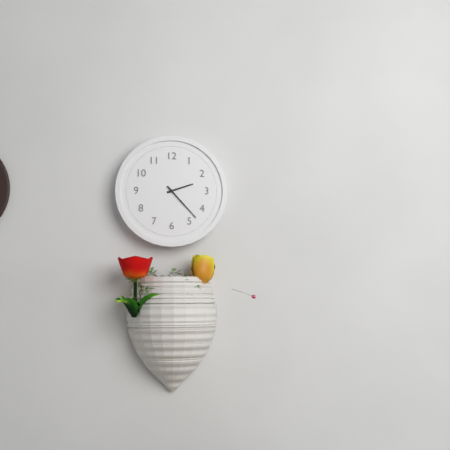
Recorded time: **2:23**
